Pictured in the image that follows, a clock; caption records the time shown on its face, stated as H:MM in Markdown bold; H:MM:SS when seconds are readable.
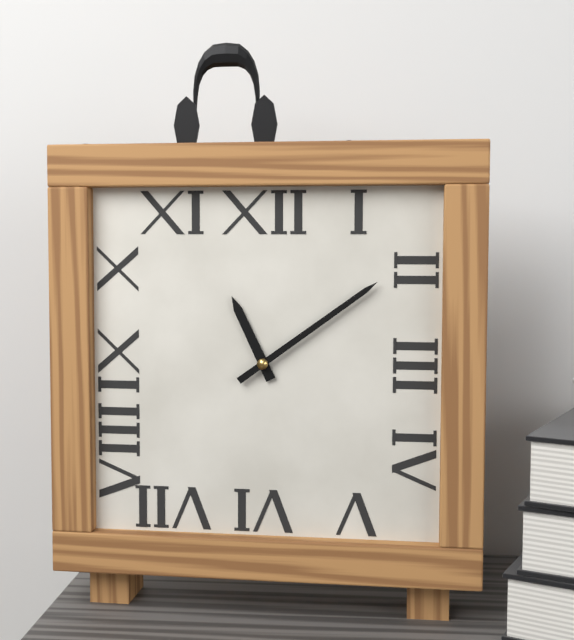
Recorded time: **11:09**
